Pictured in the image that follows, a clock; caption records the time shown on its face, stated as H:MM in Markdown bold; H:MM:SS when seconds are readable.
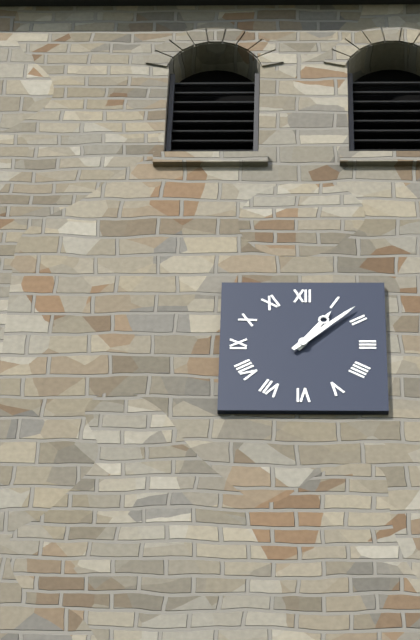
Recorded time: **1:08**
